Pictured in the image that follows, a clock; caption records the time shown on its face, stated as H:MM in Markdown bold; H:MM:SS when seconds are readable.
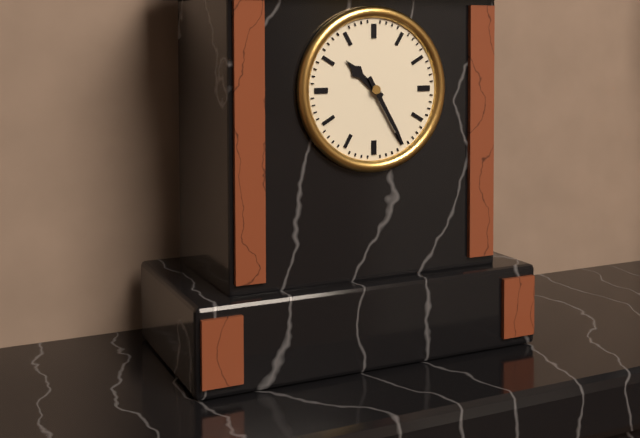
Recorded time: **10:25**
